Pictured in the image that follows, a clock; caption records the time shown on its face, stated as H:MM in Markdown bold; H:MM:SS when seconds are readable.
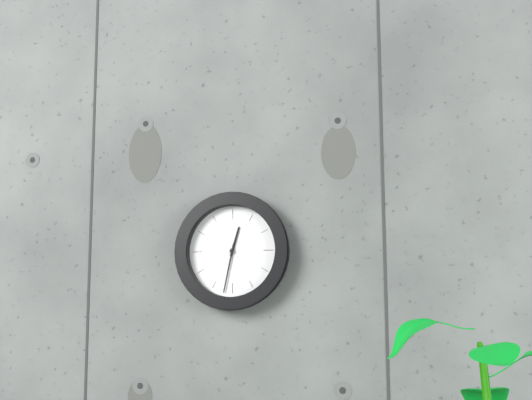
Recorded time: **12:32**
